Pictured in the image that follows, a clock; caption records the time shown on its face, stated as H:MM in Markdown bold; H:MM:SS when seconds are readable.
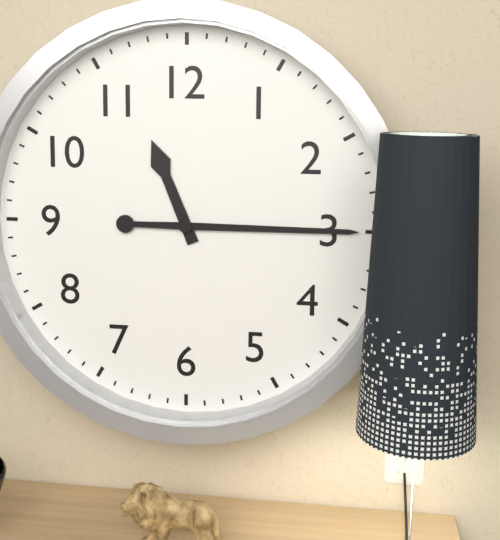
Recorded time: **11:15**
